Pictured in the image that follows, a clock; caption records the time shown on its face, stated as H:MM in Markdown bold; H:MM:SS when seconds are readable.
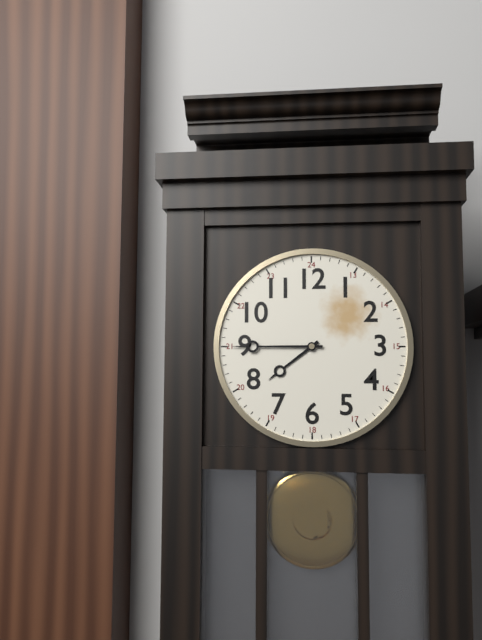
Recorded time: **7:45**
